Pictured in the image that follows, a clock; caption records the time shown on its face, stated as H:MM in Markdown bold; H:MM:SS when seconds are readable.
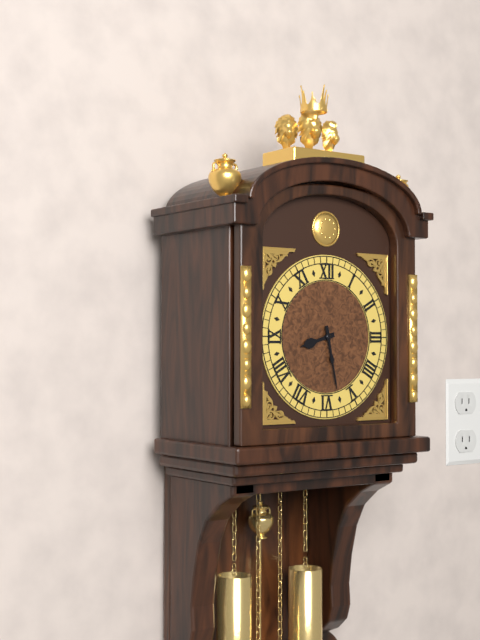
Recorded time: **8:28**
